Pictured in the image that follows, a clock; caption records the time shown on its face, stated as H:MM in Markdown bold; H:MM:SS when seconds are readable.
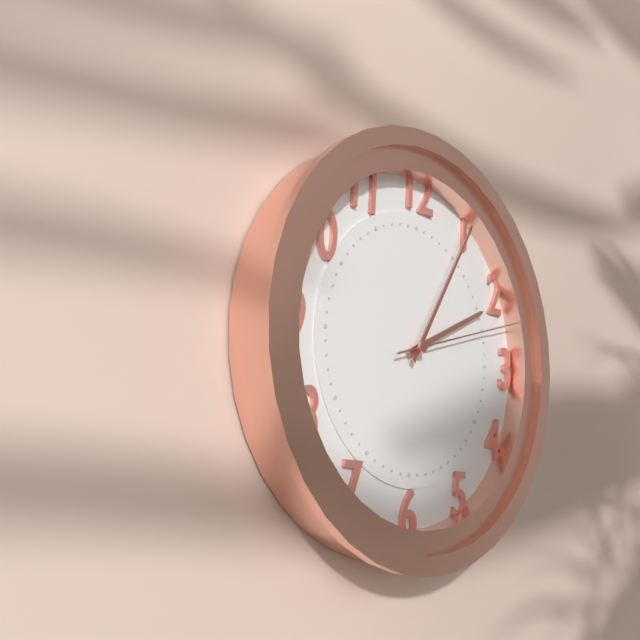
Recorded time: **2:05:12**
